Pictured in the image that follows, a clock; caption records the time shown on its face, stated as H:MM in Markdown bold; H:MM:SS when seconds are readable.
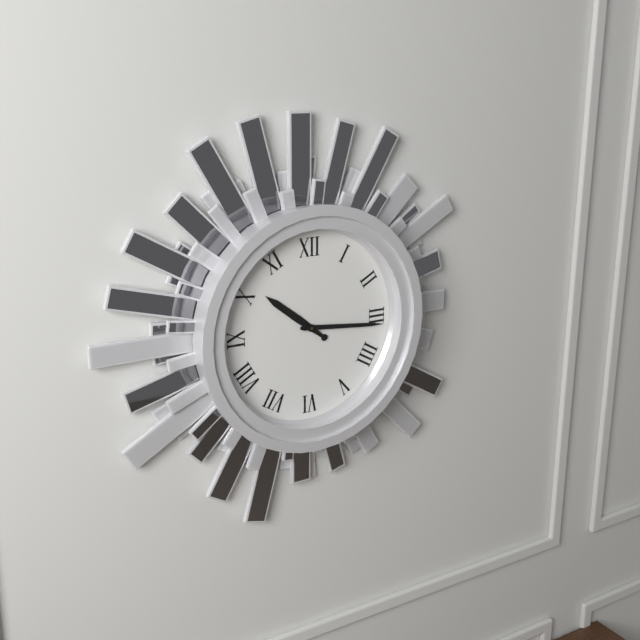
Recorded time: **10:16**
